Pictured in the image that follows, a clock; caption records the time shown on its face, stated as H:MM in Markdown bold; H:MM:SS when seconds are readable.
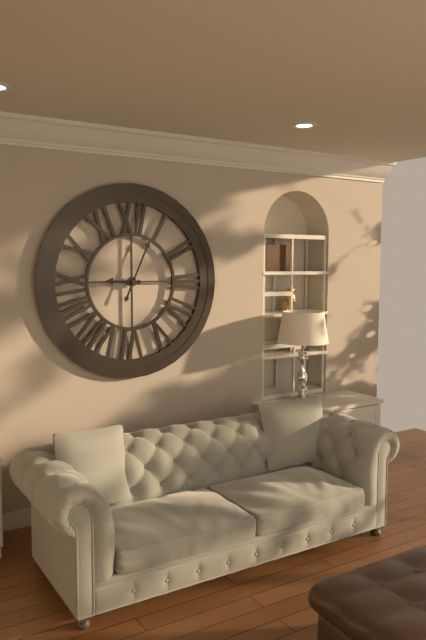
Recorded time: **9:04**
